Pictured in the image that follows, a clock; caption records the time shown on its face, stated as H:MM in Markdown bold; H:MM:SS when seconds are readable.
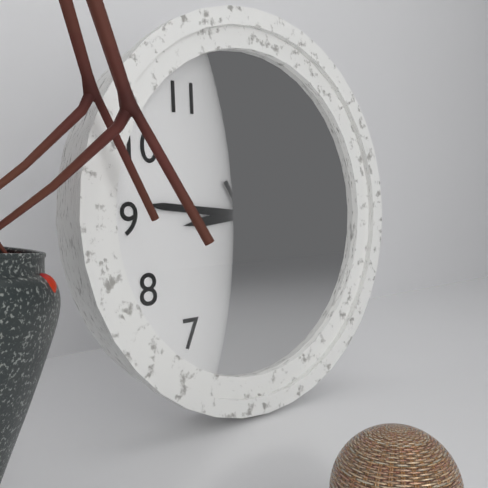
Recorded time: **8:46:25**
